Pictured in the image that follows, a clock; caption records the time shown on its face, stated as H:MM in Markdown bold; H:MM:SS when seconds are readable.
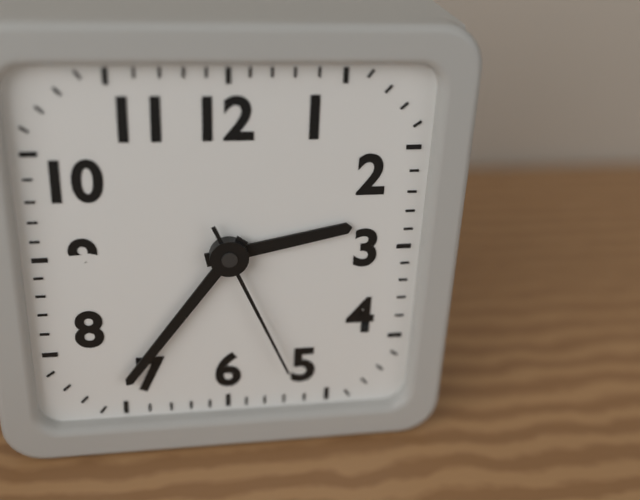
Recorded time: **2:36:26**
